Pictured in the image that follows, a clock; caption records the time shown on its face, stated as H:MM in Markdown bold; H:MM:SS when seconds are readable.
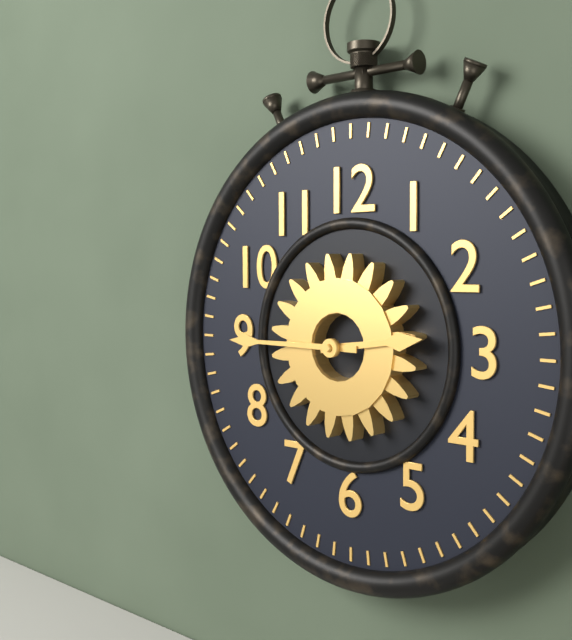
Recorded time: **2:45**
